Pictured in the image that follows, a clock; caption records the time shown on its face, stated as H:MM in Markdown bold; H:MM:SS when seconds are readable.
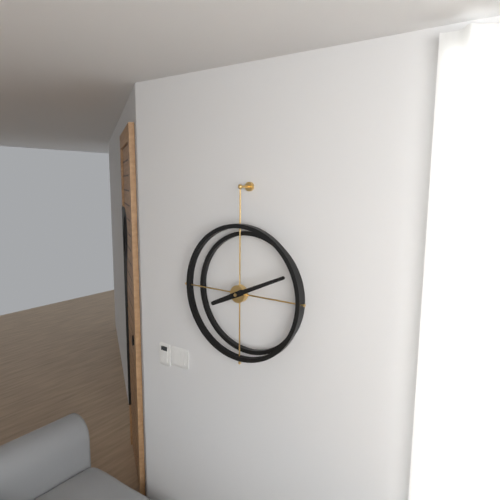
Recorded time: **8:11**
